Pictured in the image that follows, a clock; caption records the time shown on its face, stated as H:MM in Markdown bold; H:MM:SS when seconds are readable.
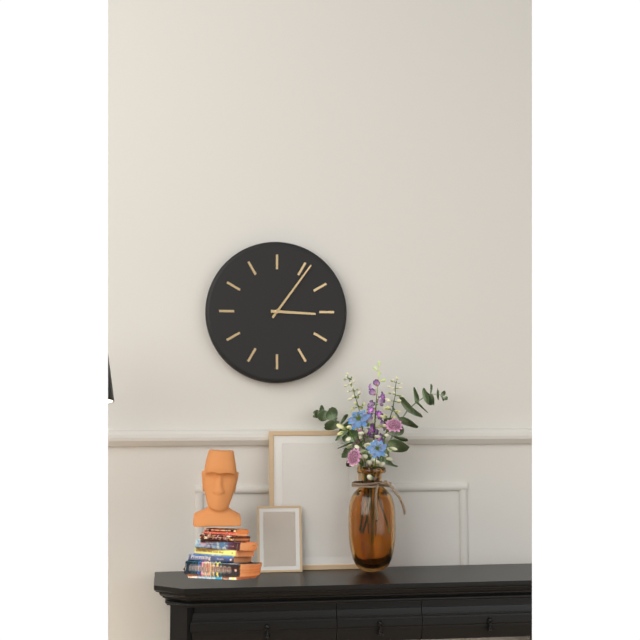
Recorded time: **3:06**
